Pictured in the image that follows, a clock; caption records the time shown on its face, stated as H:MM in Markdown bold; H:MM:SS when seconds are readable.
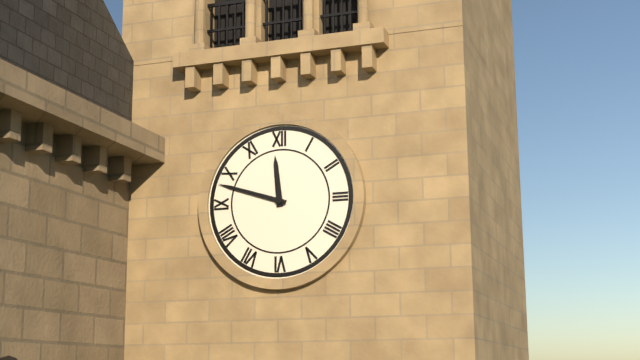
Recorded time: **11:48**
